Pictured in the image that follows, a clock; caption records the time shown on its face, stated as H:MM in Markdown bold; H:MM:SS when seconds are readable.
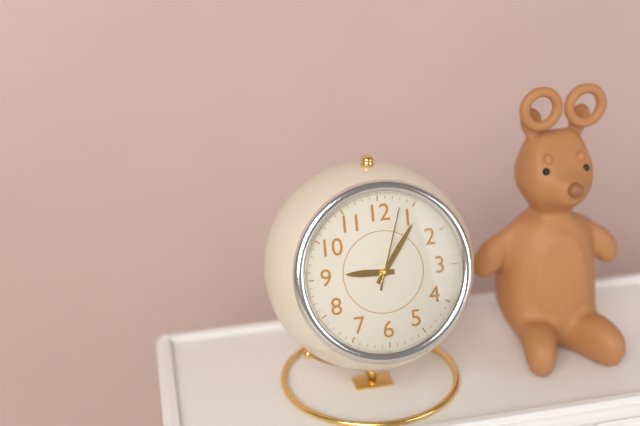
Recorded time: **9:06:03**
